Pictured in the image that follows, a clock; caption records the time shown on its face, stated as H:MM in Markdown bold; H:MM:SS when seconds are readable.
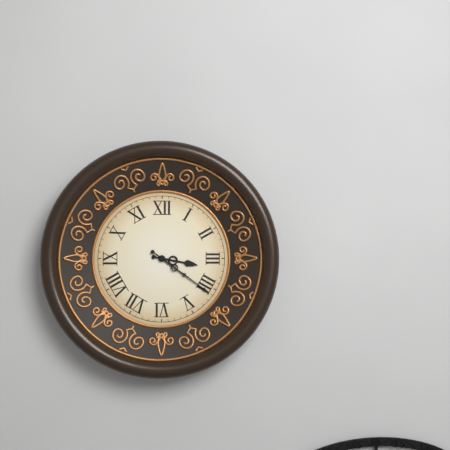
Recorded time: **3:21**
